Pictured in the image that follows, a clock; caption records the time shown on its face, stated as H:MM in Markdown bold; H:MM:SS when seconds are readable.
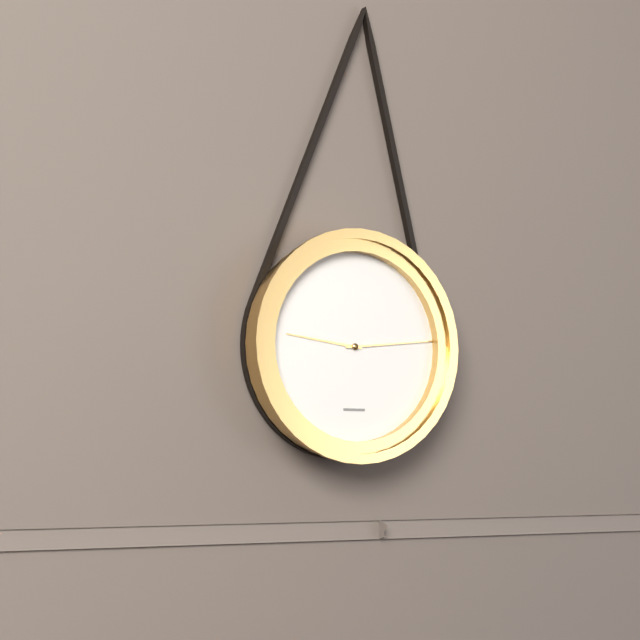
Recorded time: **9:14**
